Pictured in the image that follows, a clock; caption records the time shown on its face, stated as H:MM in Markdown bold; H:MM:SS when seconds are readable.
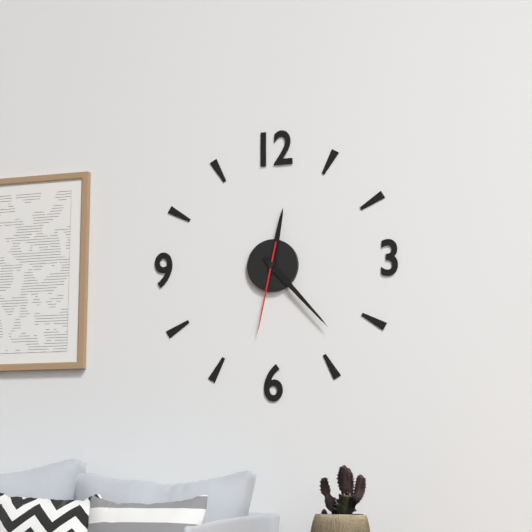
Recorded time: **12:23:32**
